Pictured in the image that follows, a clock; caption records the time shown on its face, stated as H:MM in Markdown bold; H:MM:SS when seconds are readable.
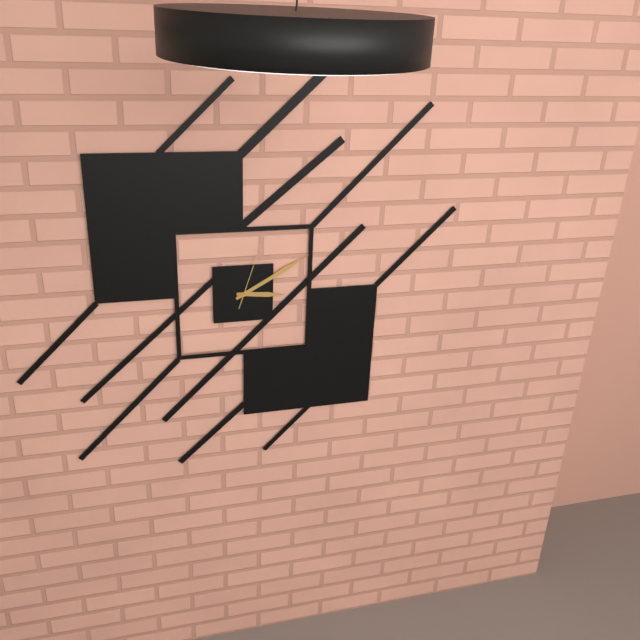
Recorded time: **3:10:03**
